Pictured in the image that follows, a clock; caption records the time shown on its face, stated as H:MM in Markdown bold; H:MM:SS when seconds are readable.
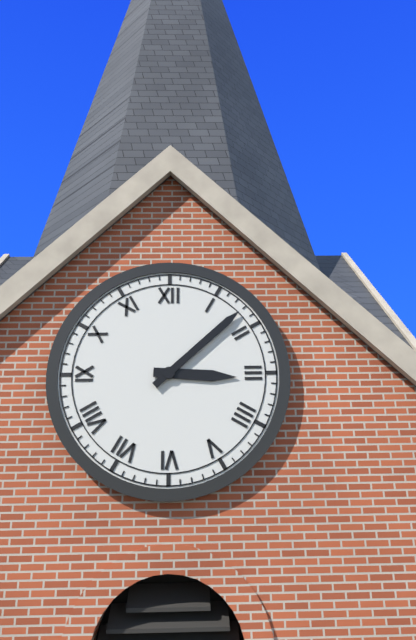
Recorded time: **3:08**
